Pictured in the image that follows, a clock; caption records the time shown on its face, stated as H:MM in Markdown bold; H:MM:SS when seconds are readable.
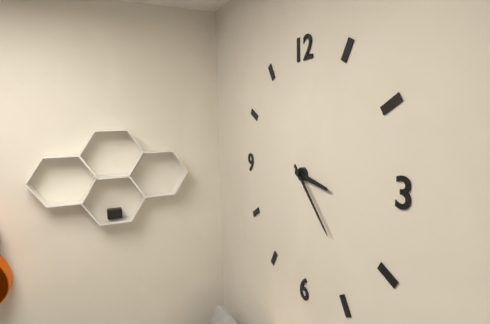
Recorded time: **3:23**
